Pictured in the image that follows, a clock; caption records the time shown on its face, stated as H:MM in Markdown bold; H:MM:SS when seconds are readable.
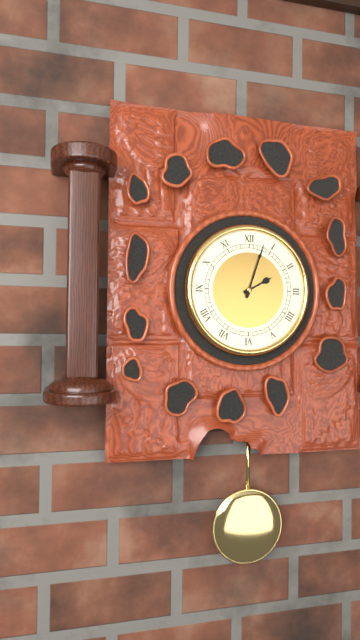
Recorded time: **2:03**
